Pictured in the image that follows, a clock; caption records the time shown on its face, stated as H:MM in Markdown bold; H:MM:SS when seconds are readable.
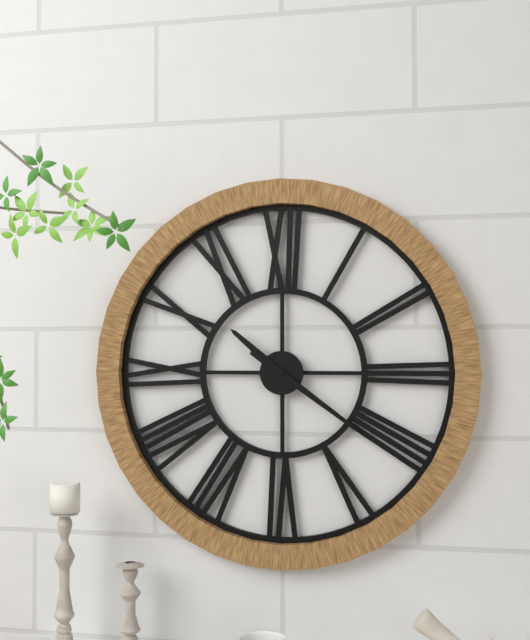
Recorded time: **10:21**
